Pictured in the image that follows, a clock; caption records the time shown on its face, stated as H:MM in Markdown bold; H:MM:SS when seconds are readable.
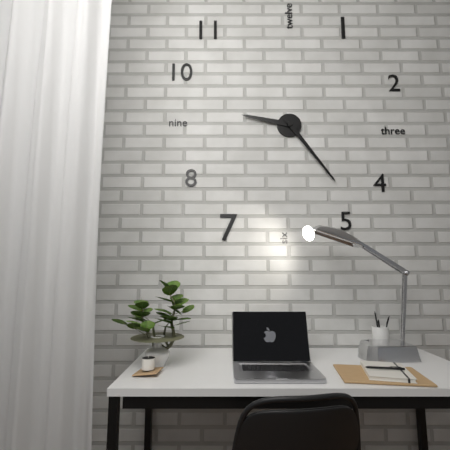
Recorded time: **9:24**
